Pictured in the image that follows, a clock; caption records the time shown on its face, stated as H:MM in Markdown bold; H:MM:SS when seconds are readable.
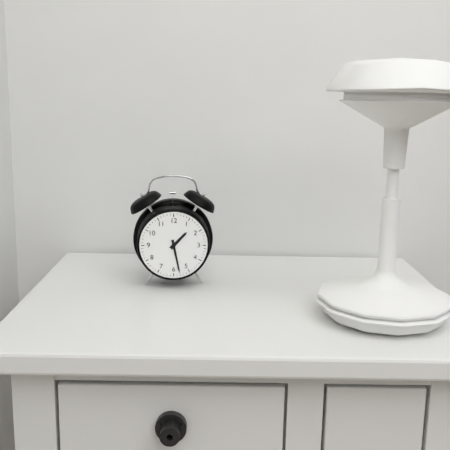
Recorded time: **1:28**
